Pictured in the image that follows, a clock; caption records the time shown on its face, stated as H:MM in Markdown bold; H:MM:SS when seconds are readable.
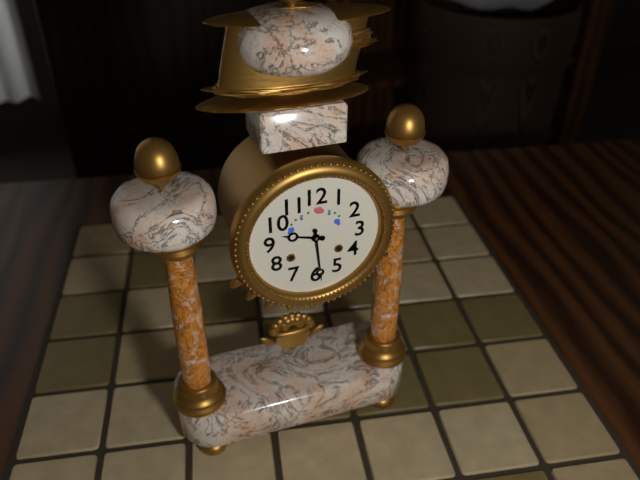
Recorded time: **9:29**
